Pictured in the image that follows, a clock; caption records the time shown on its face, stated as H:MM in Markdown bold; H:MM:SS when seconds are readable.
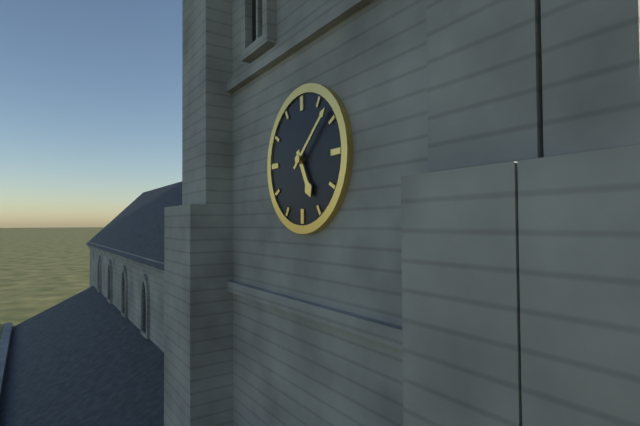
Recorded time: **5:08**
